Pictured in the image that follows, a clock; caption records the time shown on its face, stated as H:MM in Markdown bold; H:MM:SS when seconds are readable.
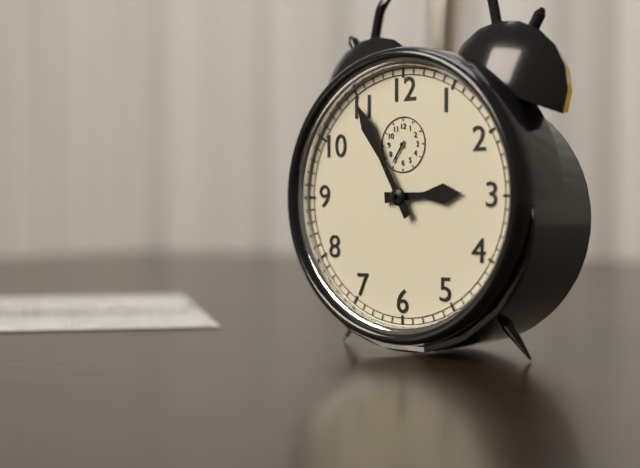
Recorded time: **2:55**
